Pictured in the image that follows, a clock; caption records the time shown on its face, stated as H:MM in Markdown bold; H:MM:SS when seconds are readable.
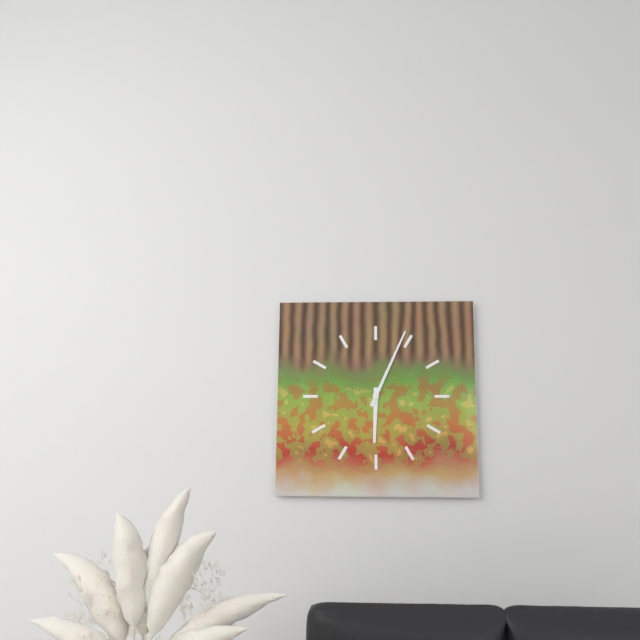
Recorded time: **6:04**
